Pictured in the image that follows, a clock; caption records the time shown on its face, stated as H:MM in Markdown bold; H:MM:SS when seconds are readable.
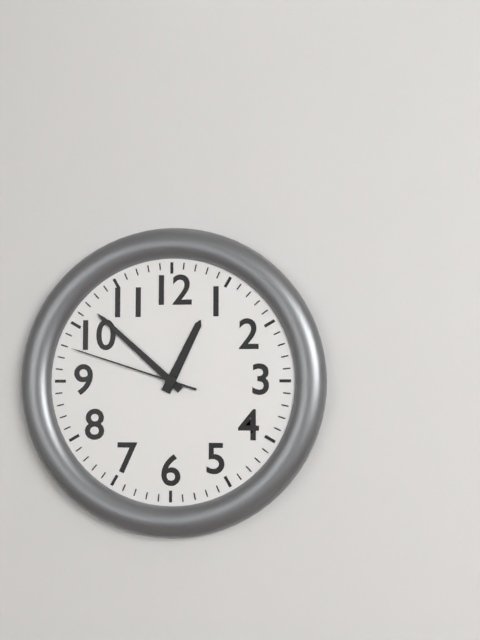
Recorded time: **12:52:48**
